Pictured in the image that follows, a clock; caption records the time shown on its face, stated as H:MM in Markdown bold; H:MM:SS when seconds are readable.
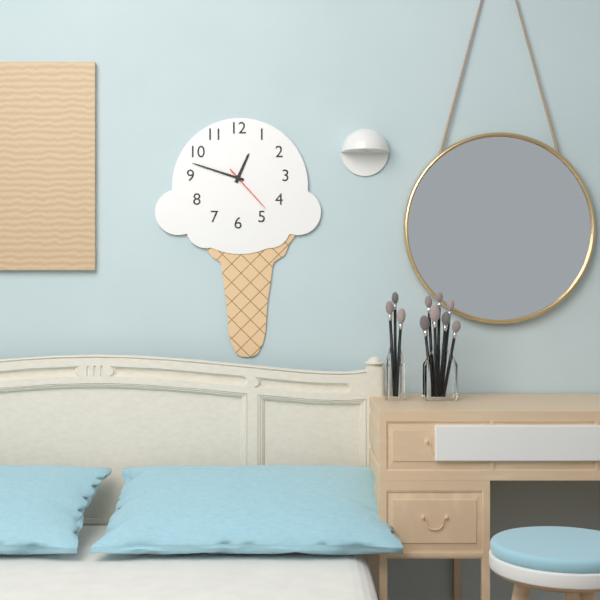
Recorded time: **12:48:23**
